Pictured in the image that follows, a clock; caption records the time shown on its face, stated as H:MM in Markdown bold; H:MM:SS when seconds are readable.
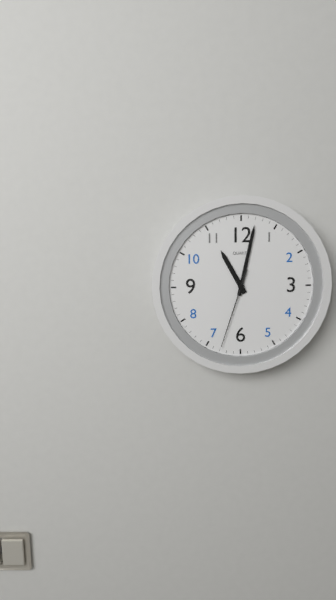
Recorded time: **11:02:33**
